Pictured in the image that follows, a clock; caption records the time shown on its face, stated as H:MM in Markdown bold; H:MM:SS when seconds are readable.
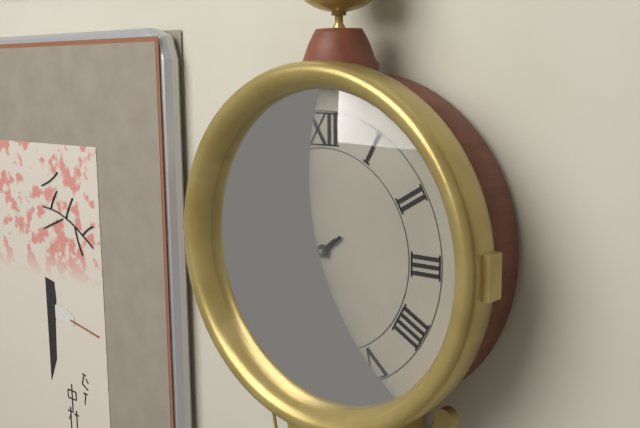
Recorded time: **7:39**
